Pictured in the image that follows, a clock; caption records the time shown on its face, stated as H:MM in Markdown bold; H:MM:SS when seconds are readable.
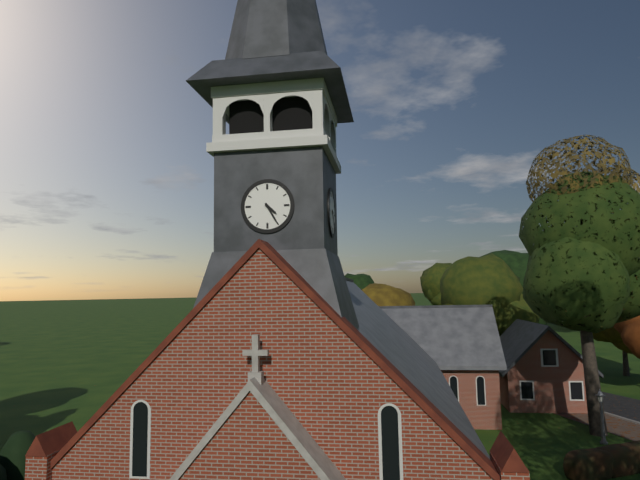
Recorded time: **4:25**
